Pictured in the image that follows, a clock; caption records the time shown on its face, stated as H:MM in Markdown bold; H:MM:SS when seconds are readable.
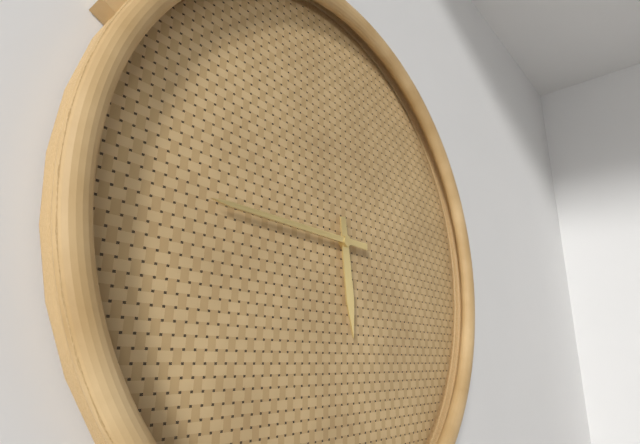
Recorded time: **5:45**
